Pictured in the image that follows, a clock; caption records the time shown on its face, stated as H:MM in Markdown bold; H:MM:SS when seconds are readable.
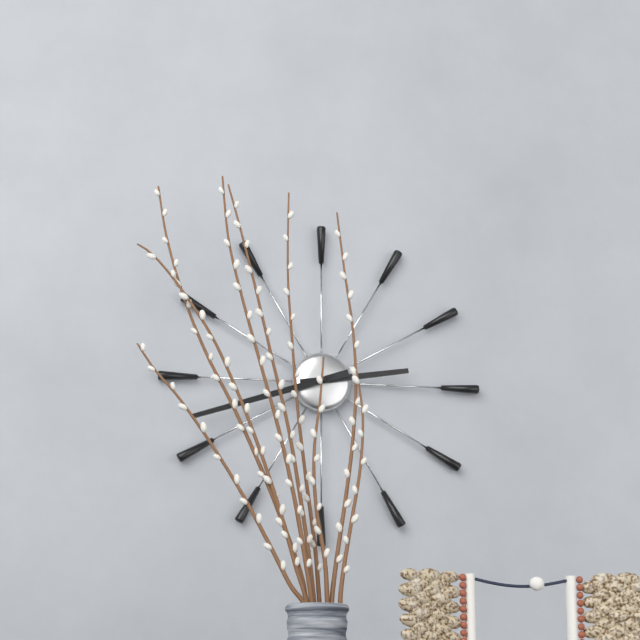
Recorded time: **2:42**
